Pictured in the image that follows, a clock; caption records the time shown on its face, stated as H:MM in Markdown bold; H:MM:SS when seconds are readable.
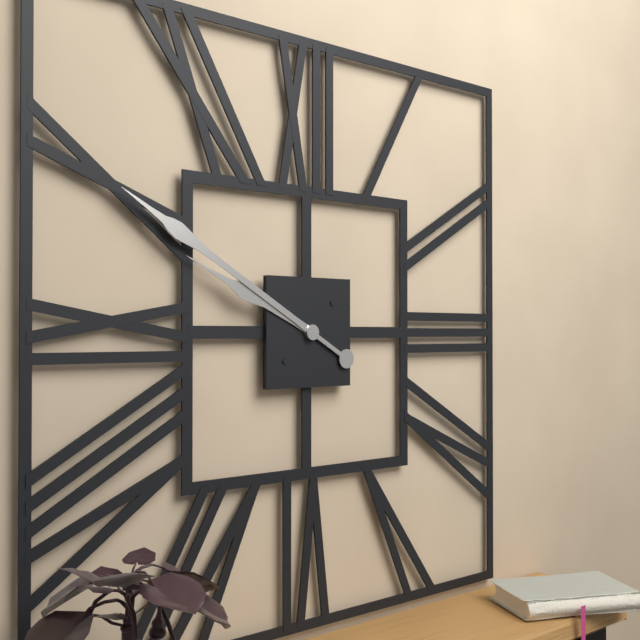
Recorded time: **9:50**
